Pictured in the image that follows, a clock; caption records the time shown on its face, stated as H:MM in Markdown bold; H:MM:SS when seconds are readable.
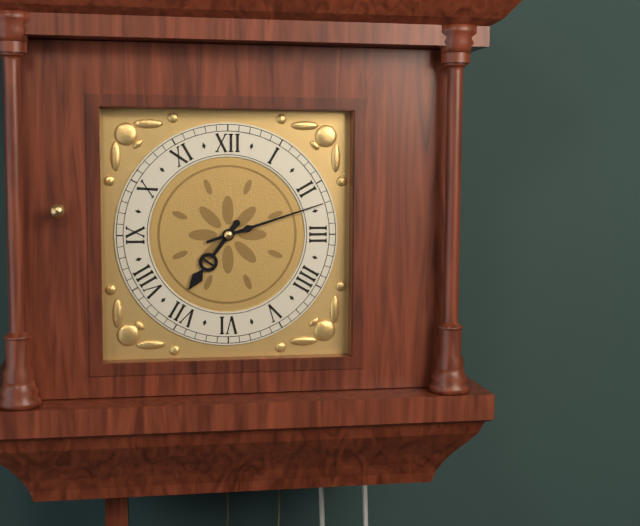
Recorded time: **7:12**
